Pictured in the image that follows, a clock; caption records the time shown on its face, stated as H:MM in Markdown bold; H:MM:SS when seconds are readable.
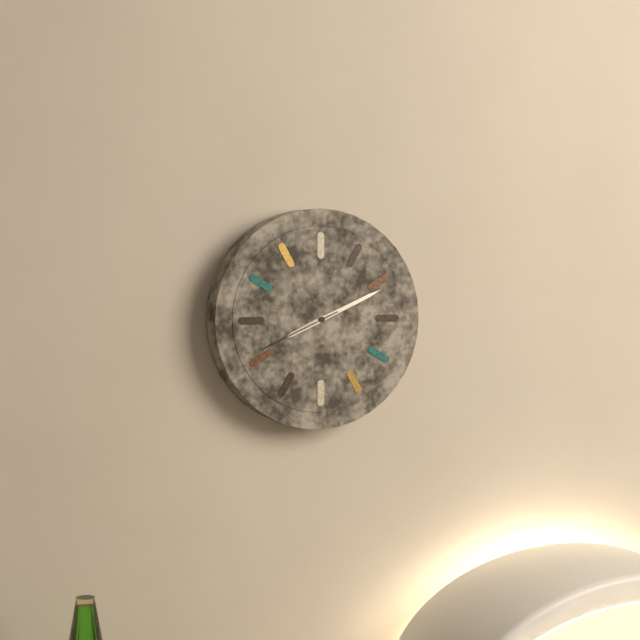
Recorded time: **8:11:41**
